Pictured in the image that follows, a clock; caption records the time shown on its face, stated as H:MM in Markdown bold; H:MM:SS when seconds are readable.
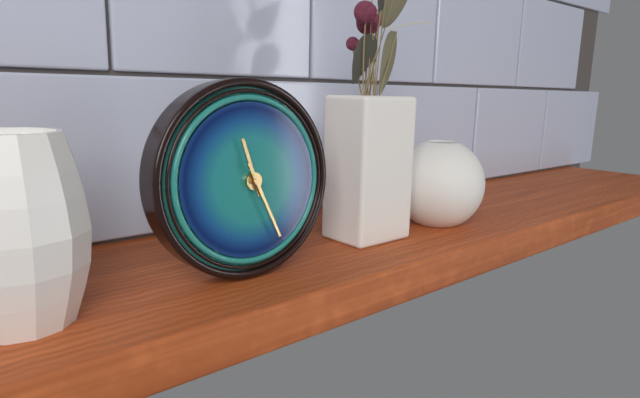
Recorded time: **11:26**
